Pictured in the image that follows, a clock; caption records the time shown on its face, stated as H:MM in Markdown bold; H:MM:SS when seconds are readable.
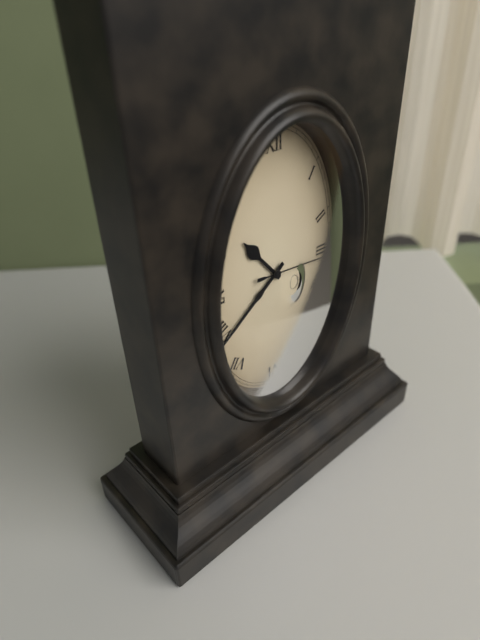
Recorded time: **10:39:16**
